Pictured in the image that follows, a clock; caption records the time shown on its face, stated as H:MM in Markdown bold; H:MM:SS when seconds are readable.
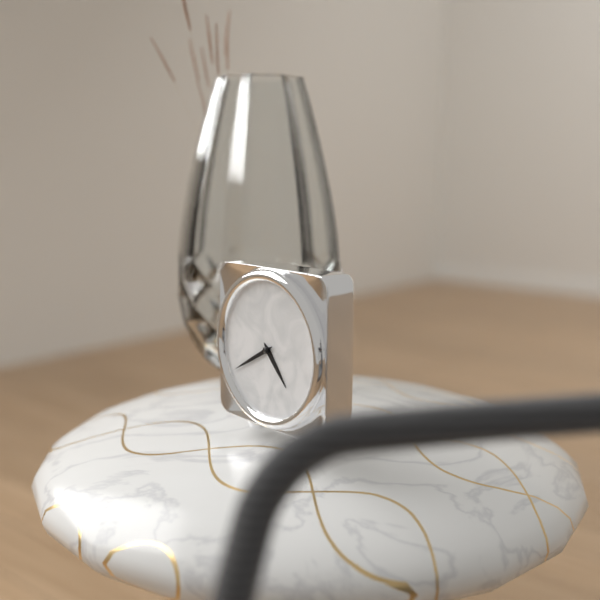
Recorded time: **4:40**
